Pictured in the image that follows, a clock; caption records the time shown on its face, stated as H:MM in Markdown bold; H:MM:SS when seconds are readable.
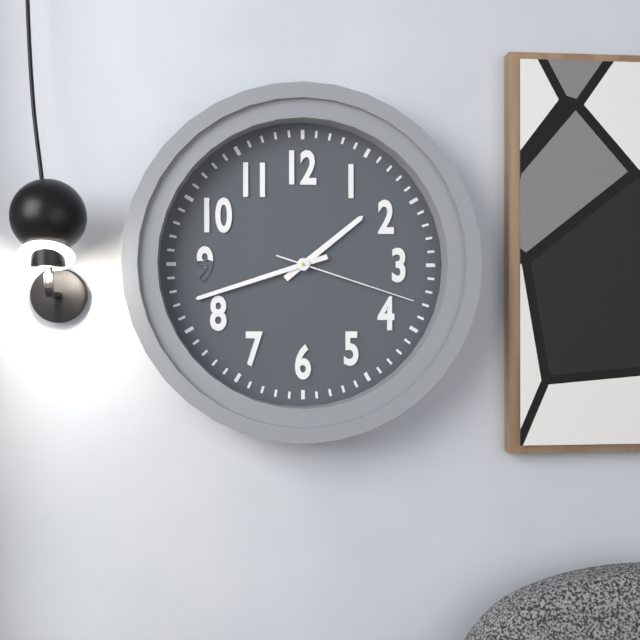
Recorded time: **1:42:18**
